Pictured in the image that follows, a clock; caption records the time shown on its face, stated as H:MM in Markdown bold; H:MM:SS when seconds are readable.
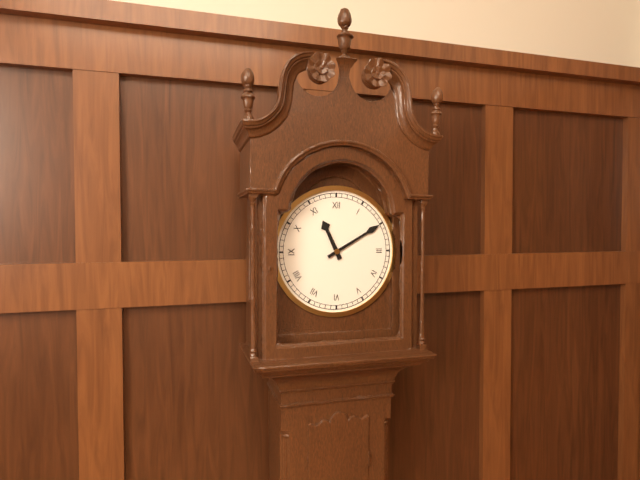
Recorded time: **11:10**
